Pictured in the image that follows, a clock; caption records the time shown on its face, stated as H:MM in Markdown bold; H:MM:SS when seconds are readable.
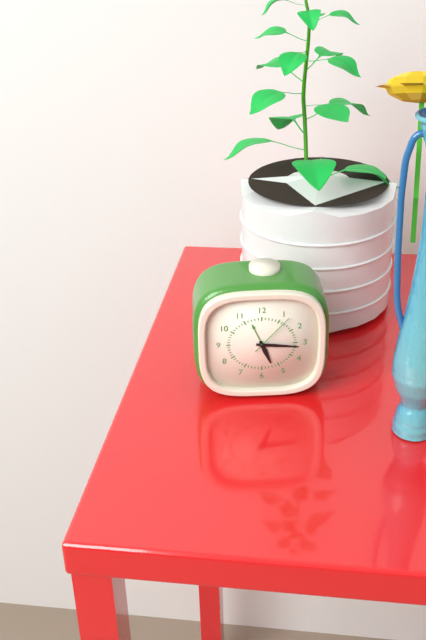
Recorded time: **5:16**
